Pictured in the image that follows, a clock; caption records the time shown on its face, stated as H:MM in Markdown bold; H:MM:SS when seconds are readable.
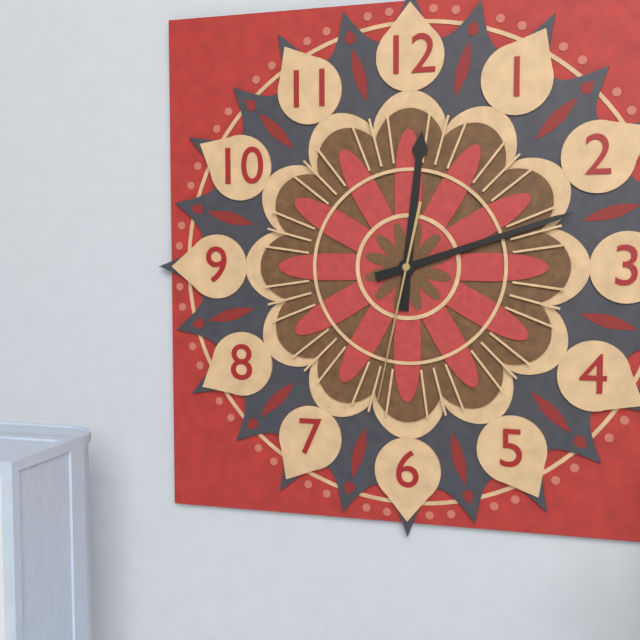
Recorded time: **12:12:32**
